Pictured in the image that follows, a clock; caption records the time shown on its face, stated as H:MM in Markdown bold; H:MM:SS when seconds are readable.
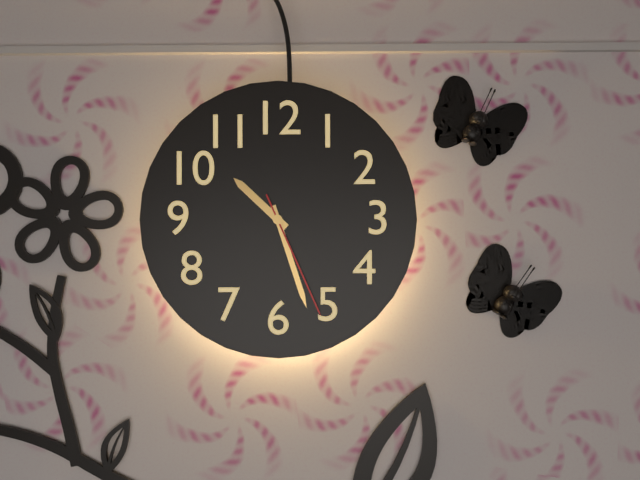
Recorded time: **10:27:26**
